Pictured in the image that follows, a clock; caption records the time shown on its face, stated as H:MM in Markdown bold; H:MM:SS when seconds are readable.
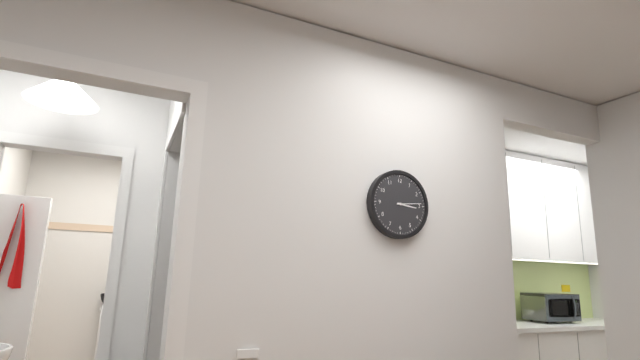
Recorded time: **3:14**
